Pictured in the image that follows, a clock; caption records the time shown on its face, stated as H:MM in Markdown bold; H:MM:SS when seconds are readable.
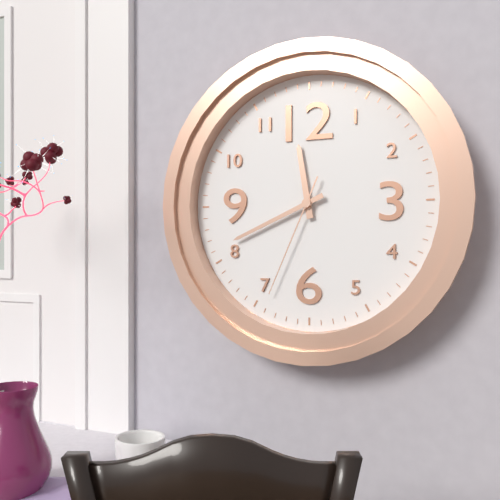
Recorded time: **11:41:34**
